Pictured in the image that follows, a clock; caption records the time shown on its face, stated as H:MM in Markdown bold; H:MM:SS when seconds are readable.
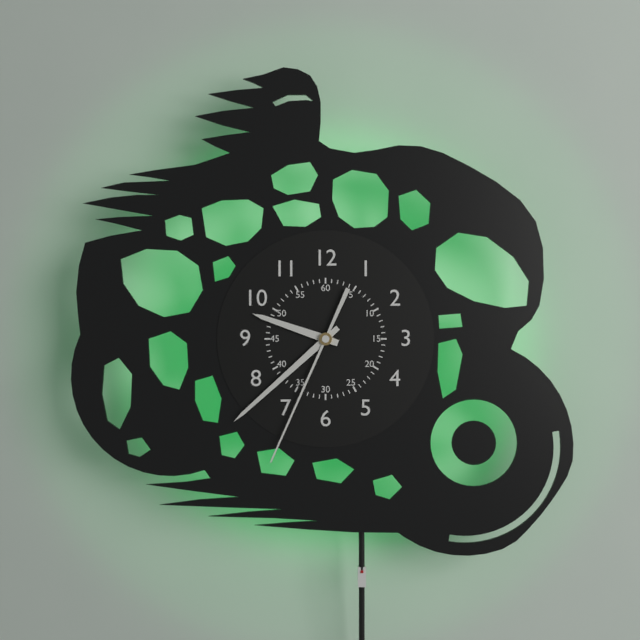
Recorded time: **9:38:34**
